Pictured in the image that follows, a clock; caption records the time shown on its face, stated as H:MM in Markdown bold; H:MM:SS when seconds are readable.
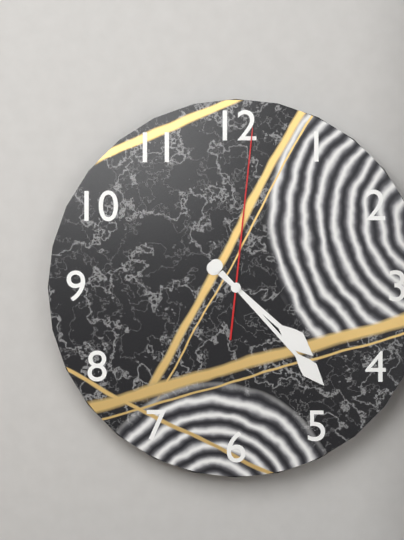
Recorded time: **4:23:01**
